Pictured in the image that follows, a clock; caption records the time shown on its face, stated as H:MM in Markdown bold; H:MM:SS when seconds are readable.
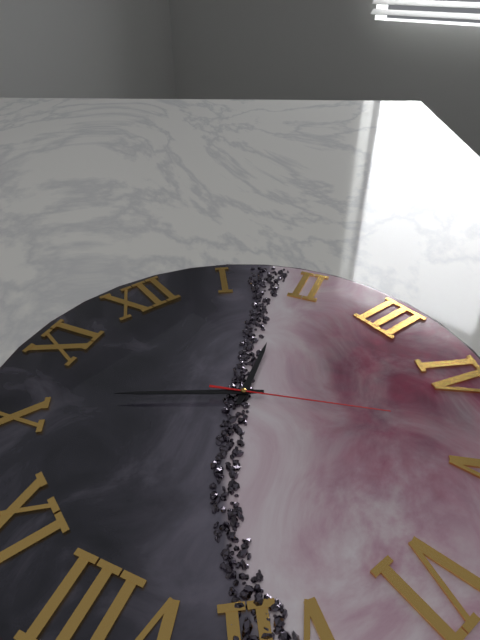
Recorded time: **1:51:23**
